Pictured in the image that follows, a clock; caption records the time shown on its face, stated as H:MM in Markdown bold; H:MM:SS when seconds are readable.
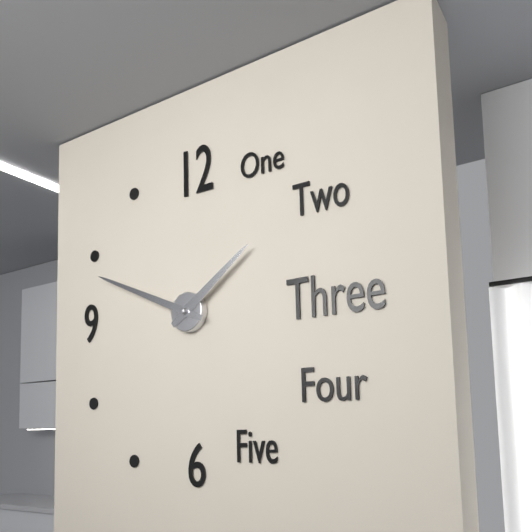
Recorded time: **1:49**
